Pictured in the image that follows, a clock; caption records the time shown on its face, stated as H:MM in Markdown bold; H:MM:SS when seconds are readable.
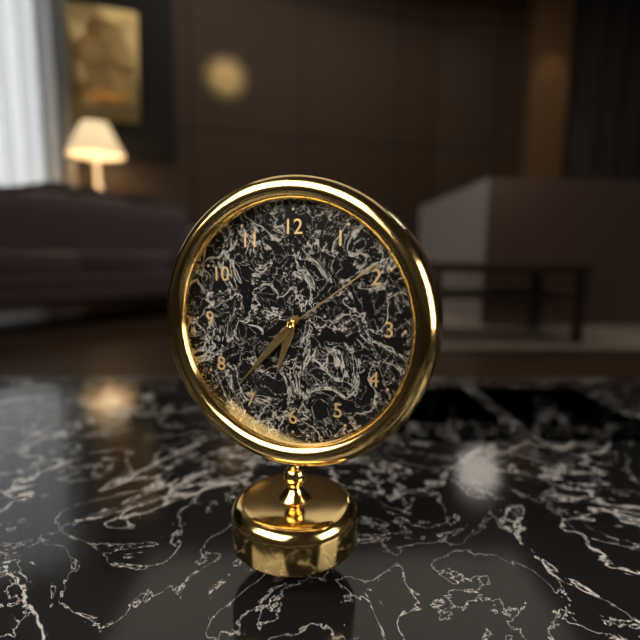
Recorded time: **6:37:09**
